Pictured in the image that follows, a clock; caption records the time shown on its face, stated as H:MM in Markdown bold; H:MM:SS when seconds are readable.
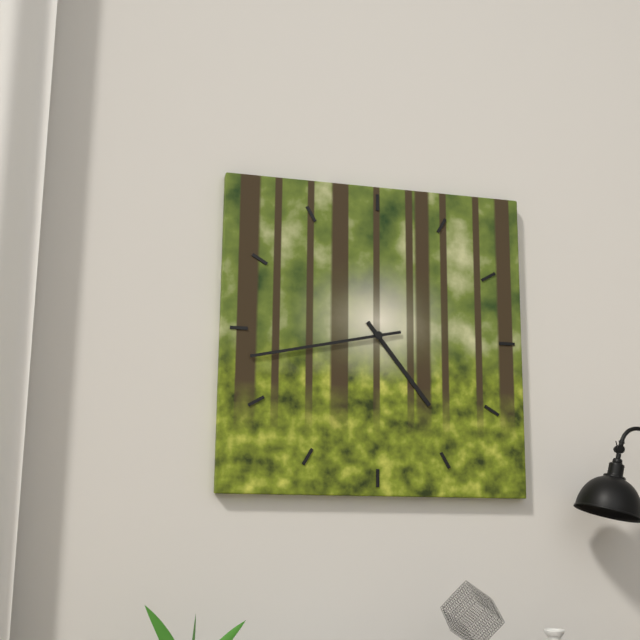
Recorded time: **4:43**
